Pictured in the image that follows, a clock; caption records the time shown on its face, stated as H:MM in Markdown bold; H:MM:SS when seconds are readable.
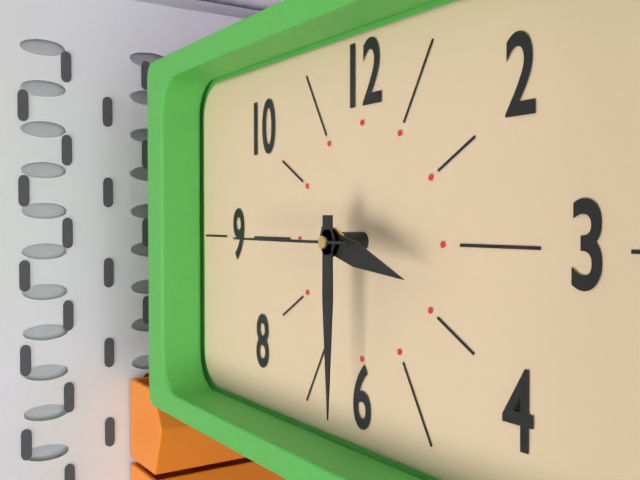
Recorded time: **3:30:45**
